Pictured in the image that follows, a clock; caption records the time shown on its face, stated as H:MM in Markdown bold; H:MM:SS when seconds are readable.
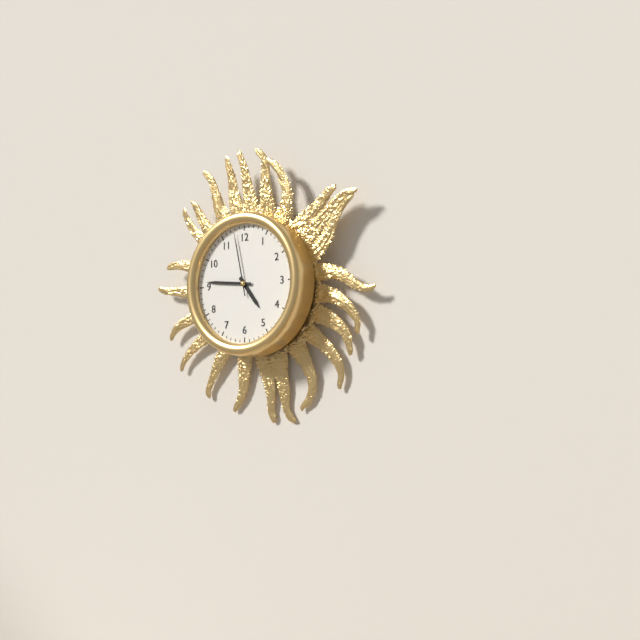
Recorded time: **4:46:58**
